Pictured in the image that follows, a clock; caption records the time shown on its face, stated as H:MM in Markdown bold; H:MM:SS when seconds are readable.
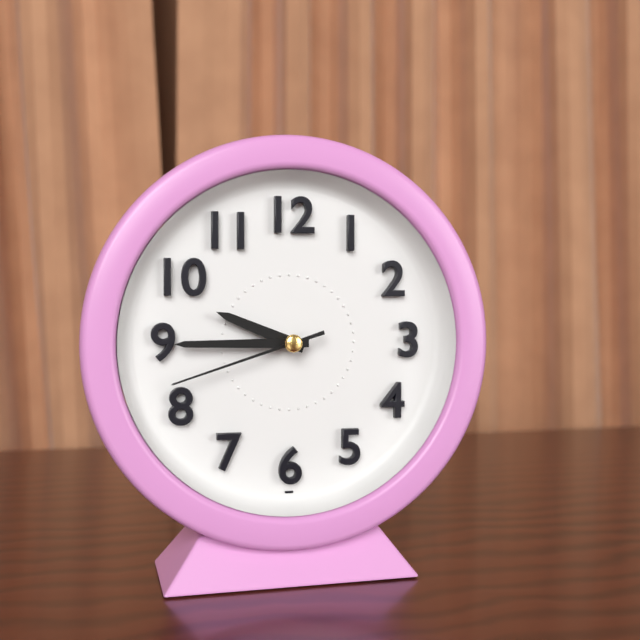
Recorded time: **9:45:42**
